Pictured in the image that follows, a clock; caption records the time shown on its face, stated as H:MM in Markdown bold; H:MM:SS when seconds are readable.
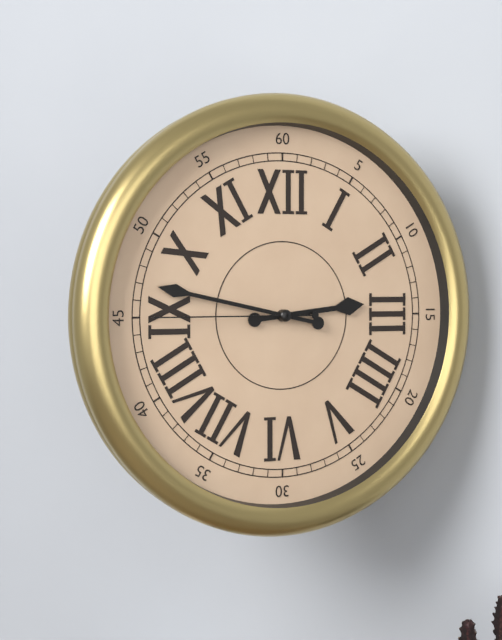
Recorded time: **2:47:45**
